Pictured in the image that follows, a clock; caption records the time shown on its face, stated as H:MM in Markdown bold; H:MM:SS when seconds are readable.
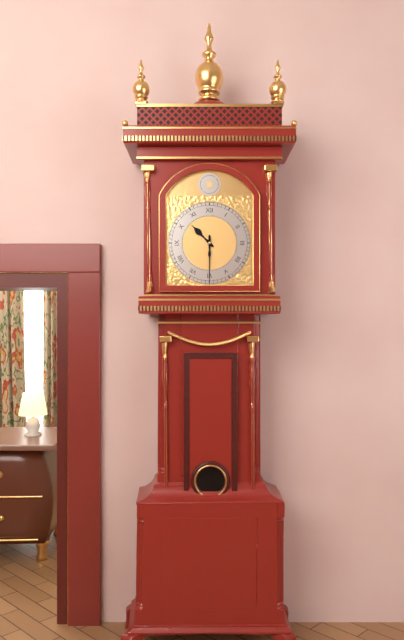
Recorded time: **10:30**
